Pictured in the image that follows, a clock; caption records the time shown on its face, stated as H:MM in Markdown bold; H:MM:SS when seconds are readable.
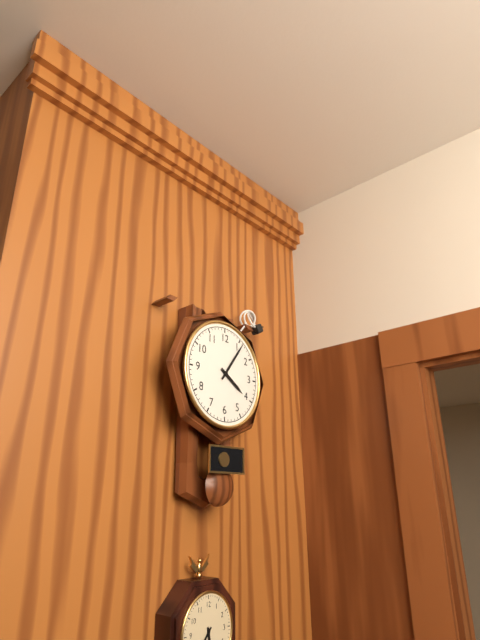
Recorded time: **4:06**
